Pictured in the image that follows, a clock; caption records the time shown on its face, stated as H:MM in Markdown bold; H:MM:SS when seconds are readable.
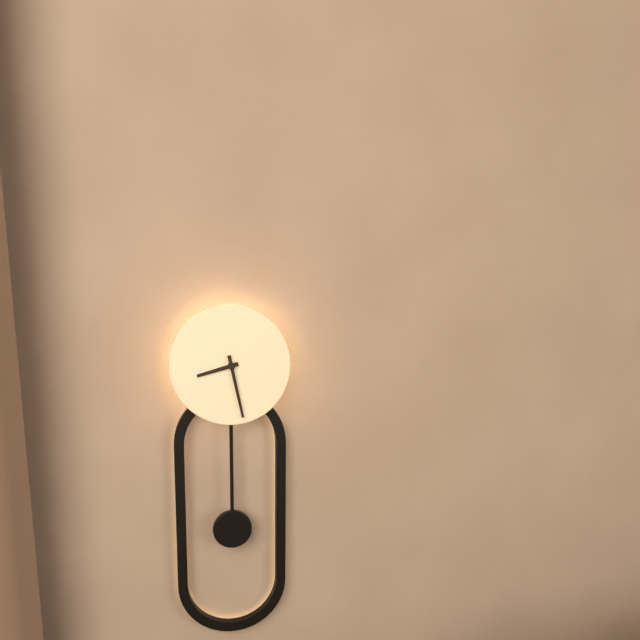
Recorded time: **8:28**
